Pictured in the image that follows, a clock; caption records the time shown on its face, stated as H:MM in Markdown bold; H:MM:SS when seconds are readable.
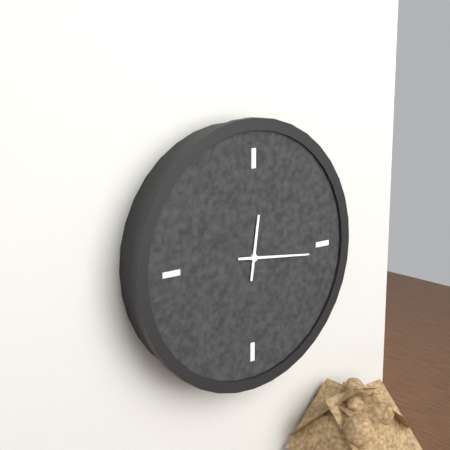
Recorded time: **12:16**
